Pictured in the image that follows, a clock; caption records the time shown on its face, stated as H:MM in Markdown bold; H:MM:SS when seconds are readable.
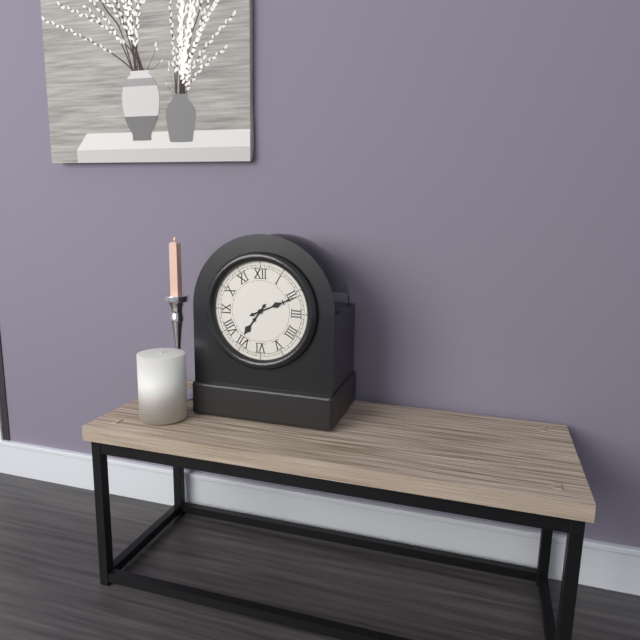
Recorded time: **7:11**
